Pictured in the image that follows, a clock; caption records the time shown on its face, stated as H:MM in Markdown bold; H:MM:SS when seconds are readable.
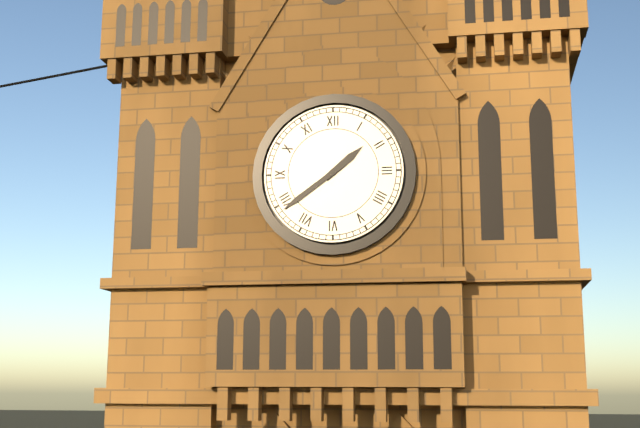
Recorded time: **1:39**
